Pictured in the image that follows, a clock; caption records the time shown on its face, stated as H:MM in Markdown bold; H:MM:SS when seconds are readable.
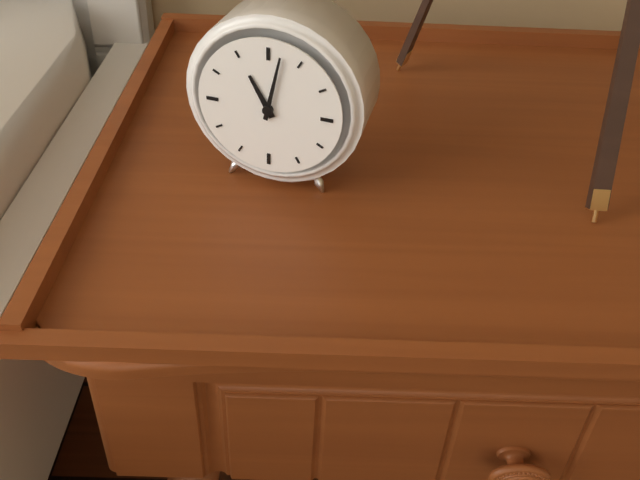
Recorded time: **11:02**
